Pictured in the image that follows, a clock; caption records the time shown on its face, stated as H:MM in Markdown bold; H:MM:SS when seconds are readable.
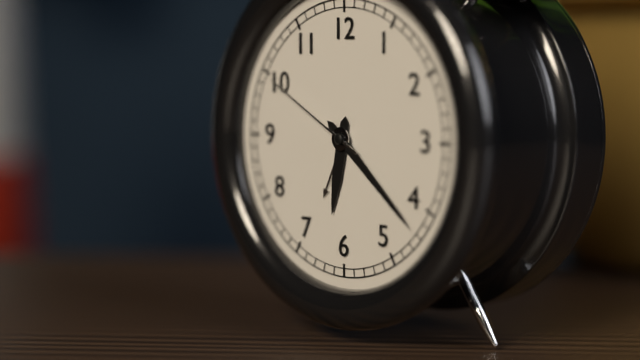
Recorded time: **6:22:50**
